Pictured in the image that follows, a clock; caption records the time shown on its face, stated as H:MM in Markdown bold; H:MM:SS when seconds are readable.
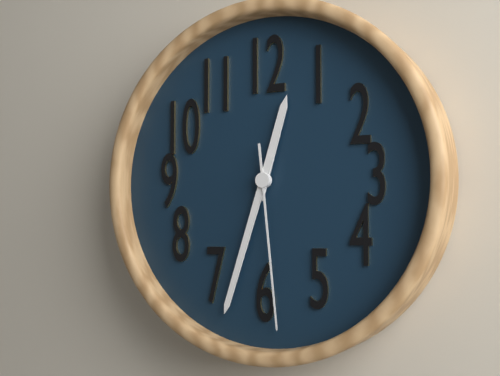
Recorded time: **12:33:29**
